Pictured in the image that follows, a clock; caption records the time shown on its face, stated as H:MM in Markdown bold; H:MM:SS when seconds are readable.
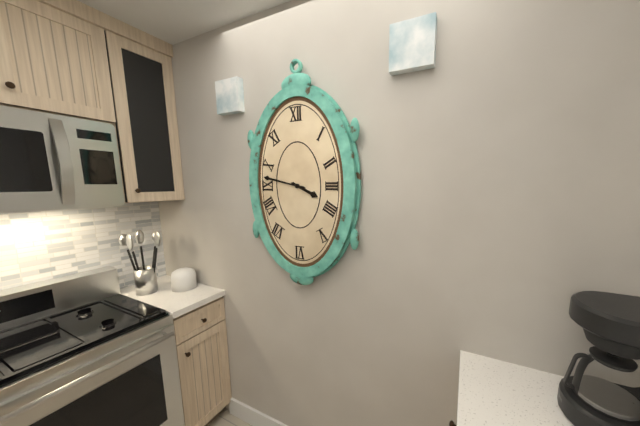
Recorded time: **3:47**
